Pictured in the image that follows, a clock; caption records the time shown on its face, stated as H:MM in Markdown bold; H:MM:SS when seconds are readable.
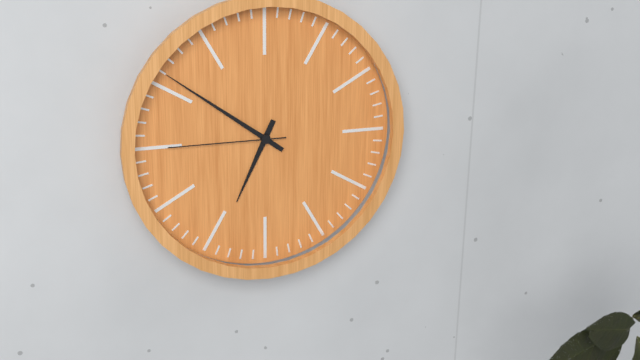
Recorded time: **6:51:45**
